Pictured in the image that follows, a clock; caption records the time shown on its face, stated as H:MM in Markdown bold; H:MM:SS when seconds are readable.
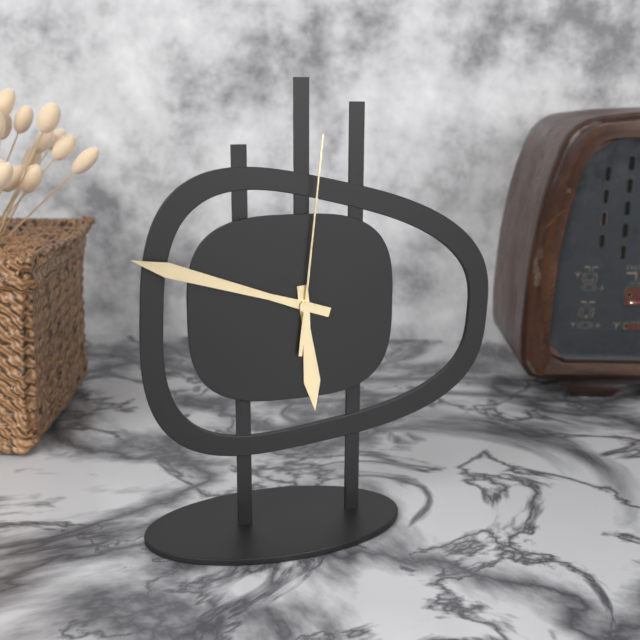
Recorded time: **5:48:01**
